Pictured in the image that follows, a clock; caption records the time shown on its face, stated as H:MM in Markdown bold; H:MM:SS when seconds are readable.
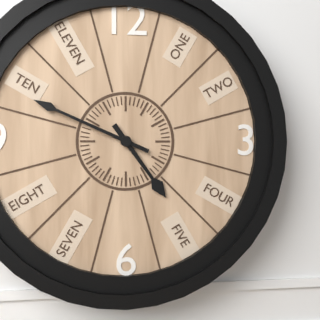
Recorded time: **4:49**
